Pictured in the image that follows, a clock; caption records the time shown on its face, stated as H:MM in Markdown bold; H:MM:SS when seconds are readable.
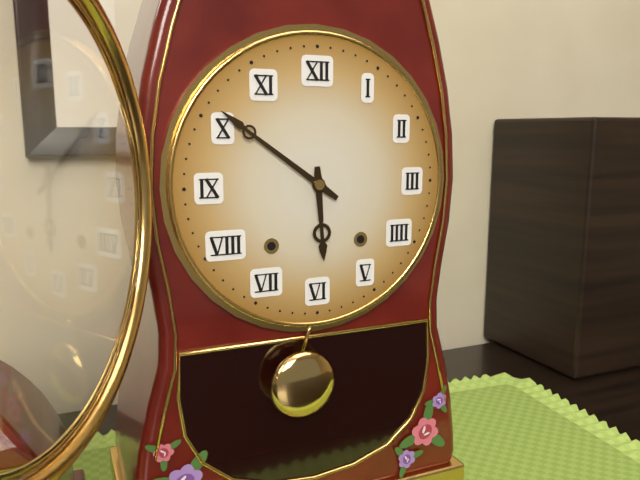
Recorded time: **5:51**
